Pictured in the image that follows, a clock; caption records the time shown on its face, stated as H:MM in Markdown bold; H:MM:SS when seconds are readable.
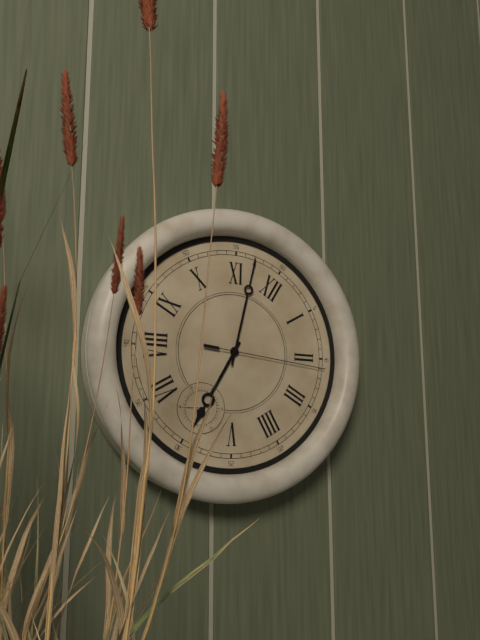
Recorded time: **5:57:11**
